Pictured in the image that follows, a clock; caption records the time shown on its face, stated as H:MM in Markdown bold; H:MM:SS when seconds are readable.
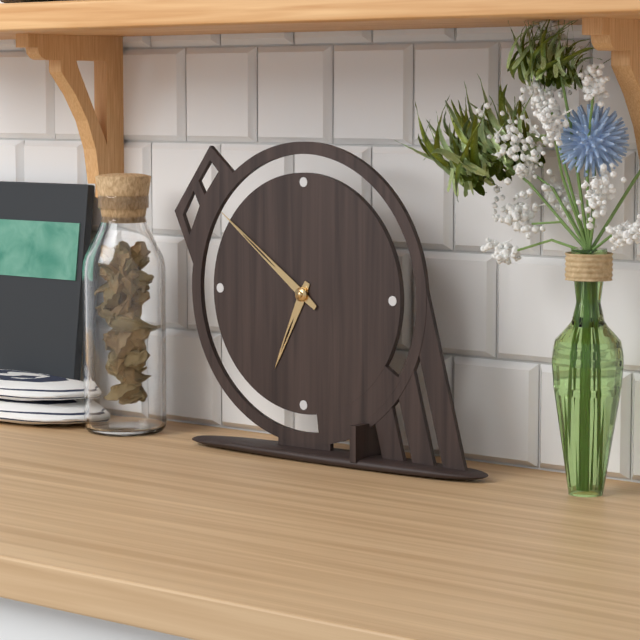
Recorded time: **6:51**
